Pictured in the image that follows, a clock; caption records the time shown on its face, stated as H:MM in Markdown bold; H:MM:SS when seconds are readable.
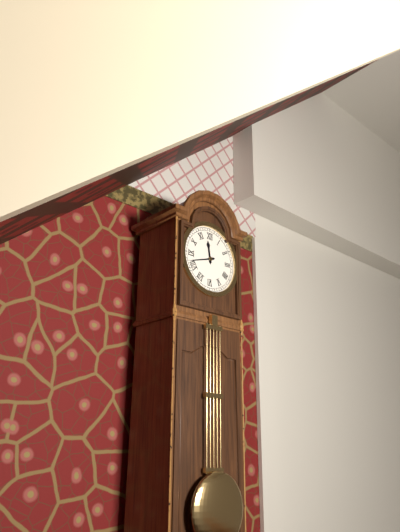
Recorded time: **11:42**
